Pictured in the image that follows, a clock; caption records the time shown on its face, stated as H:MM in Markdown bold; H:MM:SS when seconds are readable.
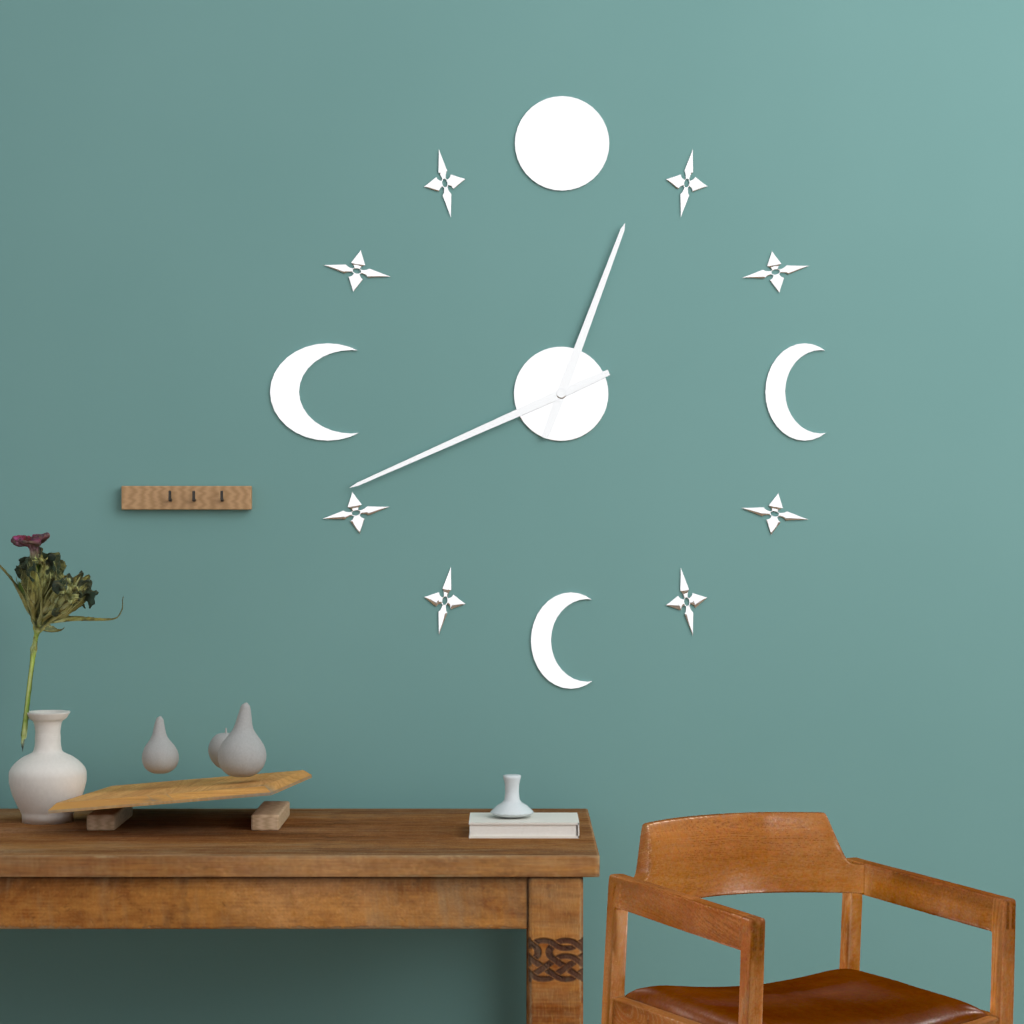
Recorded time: **12:41**
